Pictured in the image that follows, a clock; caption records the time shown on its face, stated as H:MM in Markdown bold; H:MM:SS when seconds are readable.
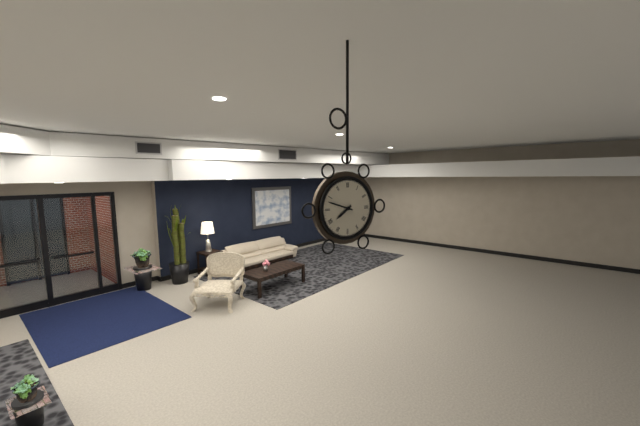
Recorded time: **7:48**
